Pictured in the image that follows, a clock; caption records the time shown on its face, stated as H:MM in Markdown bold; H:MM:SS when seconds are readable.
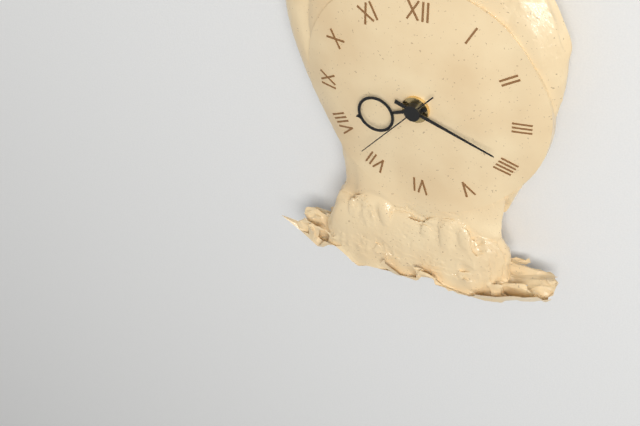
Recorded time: **8:18:37**
